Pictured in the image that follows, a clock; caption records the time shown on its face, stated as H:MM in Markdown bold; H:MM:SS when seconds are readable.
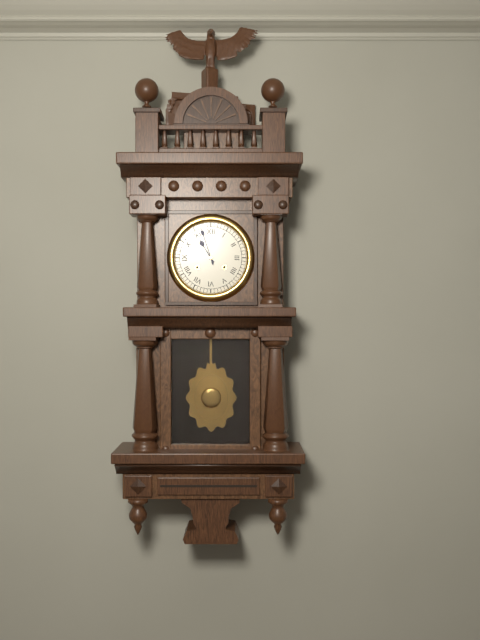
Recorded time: **10:57**
